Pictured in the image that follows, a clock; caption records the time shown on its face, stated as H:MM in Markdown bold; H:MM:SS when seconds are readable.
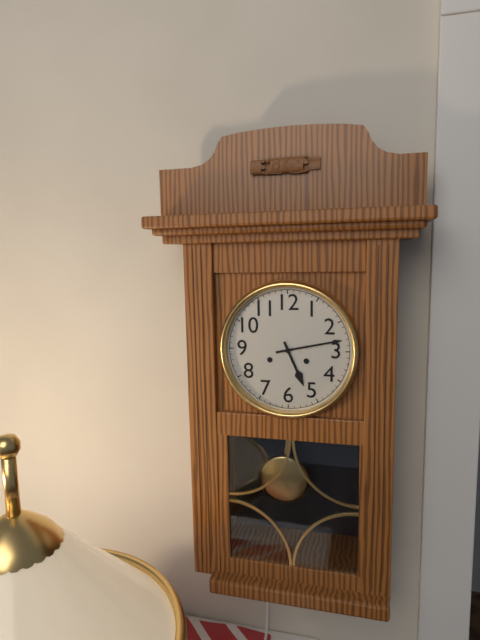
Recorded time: **5:13**
